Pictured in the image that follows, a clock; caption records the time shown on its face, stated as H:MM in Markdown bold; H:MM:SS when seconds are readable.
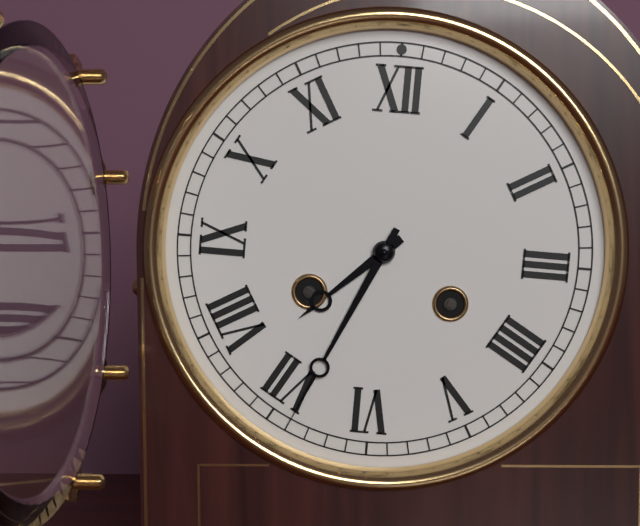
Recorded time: **7:34**
